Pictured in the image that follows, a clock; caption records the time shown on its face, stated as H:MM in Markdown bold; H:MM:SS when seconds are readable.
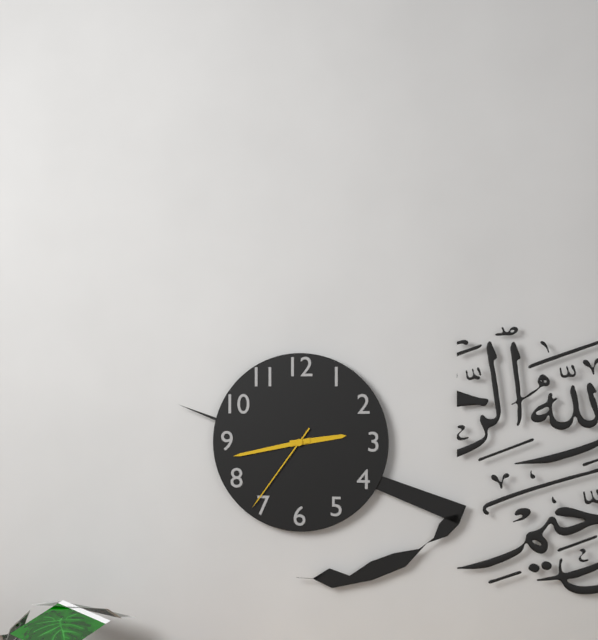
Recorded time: **2:43:36**
